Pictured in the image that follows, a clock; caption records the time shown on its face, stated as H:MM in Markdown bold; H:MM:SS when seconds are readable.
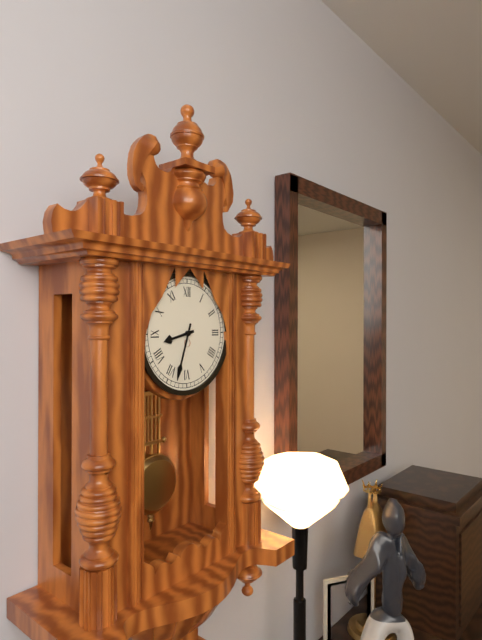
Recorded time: **8:33**
